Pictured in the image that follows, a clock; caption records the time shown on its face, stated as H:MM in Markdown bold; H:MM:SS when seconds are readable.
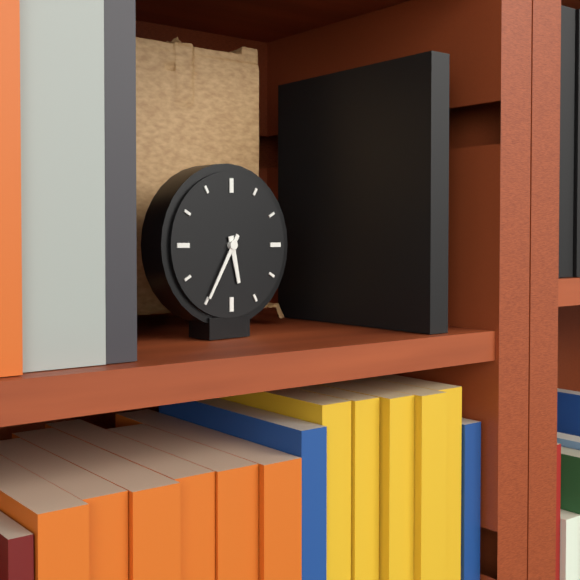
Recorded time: **5:35**
